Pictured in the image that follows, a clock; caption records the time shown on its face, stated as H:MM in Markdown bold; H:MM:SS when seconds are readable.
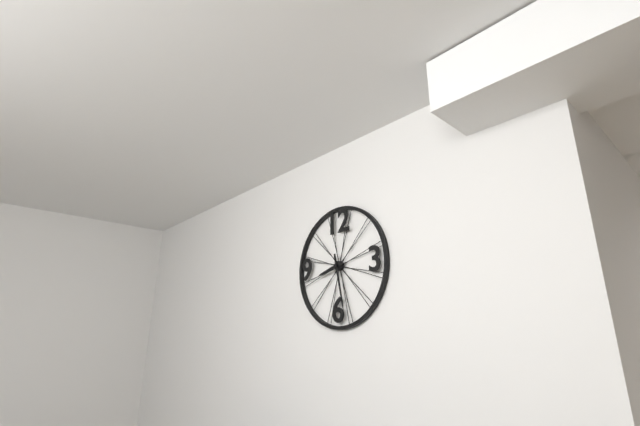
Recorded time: **8:28**
